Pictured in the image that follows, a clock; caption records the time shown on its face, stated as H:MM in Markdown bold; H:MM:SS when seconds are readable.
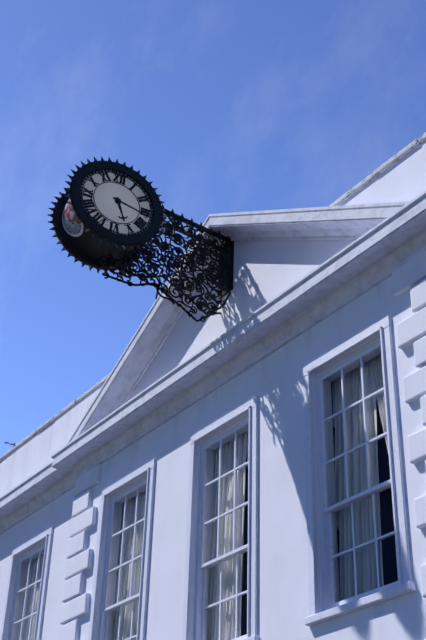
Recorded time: **5:17**
